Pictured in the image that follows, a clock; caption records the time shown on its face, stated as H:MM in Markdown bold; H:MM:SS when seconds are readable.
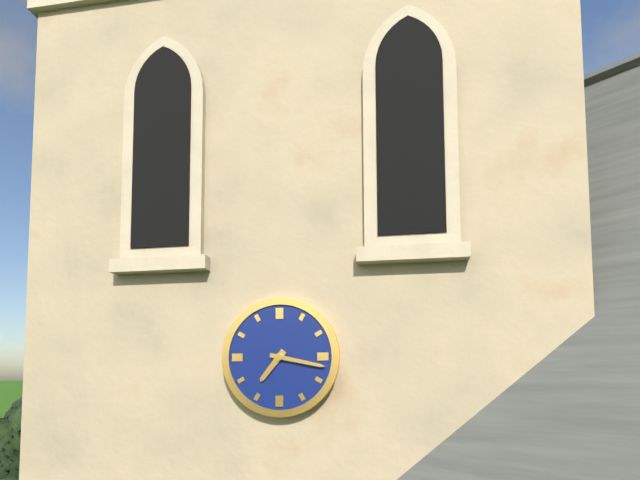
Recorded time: **7:17**
